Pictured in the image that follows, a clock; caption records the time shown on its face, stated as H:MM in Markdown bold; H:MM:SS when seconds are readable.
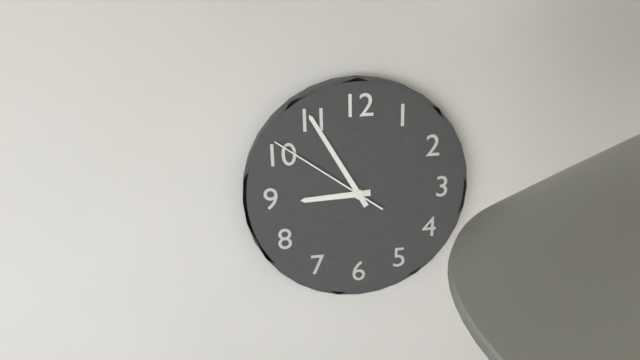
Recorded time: **8:55:51**
